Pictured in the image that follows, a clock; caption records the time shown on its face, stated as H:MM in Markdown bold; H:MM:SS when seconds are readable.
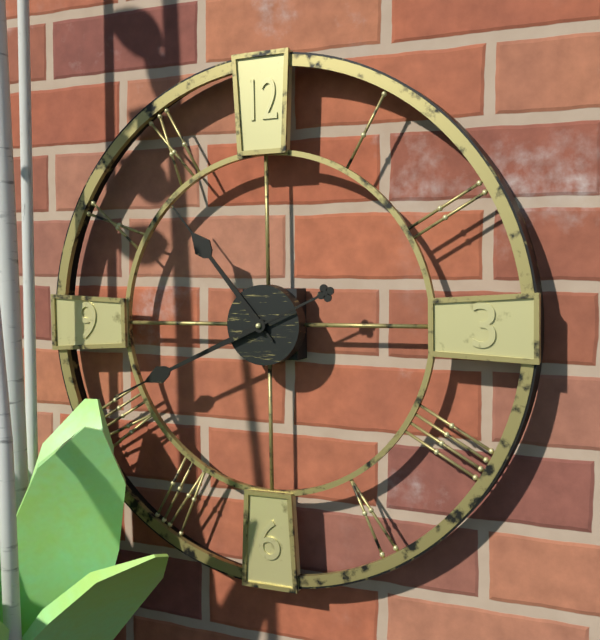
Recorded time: **10:41**
